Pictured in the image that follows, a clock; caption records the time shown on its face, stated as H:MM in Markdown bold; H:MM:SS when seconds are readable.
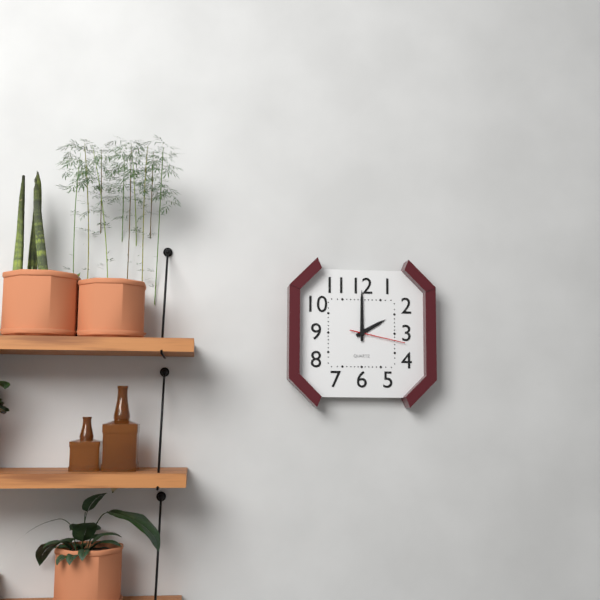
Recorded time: **2:00:17**
